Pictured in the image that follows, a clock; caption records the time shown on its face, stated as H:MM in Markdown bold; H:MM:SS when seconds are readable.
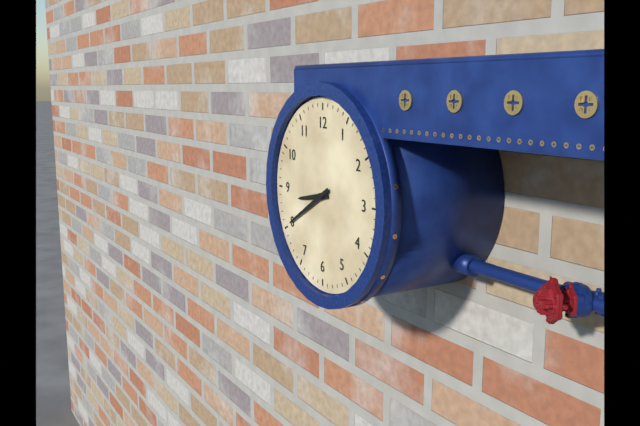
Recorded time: **8:40**
